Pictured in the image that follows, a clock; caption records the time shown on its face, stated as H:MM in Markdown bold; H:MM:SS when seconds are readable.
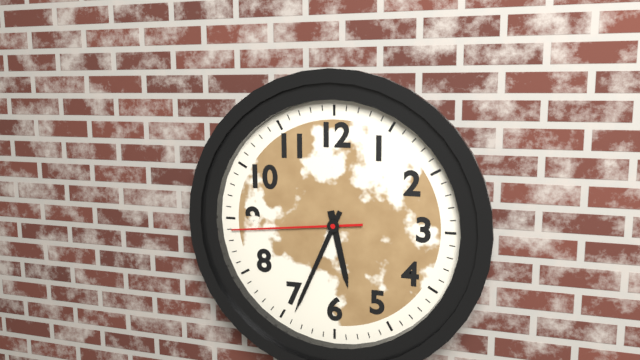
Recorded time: **5:34:44**
